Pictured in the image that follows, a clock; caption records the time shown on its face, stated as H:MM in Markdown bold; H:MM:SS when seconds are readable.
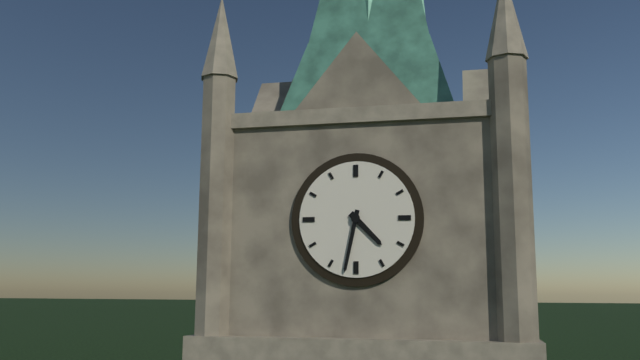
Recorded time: **4:32**
